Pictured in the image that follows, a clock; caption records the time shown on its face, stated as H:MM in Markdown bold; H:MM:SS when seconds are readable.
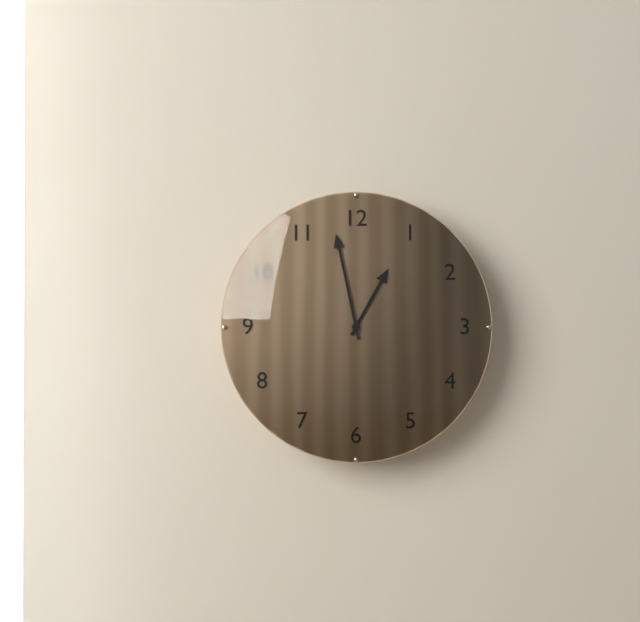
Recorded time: **12:58**
